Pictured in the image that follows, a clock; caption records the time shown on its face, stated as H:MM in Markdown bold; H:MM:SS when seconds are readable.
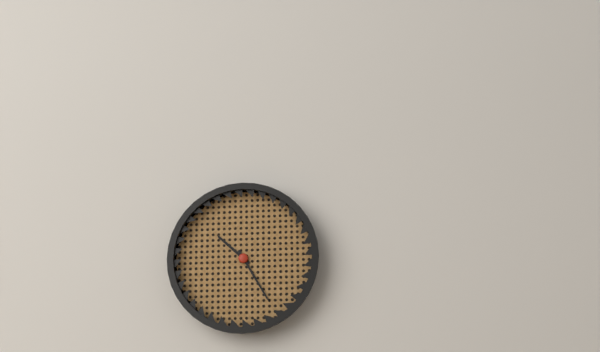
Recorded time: **10:25**
